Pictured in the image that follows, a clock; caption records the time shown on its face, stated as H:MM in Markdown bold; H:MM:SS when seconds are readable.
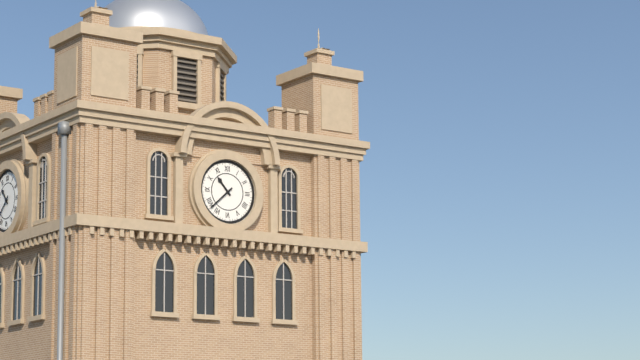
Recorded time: **10:38**
